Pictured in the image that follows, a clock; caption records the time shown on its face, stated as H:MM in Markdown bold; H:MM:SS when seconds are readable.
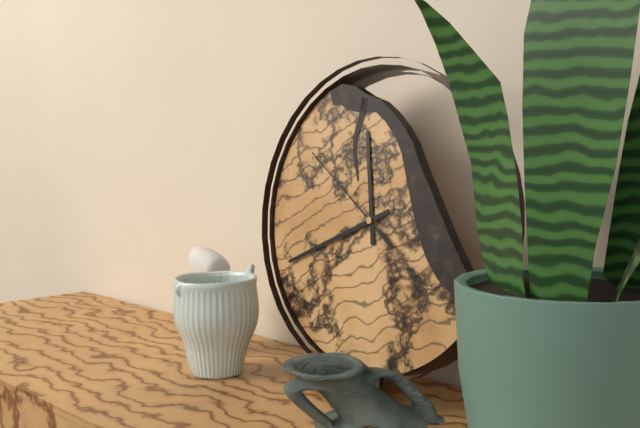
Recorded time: **11:41:51**
